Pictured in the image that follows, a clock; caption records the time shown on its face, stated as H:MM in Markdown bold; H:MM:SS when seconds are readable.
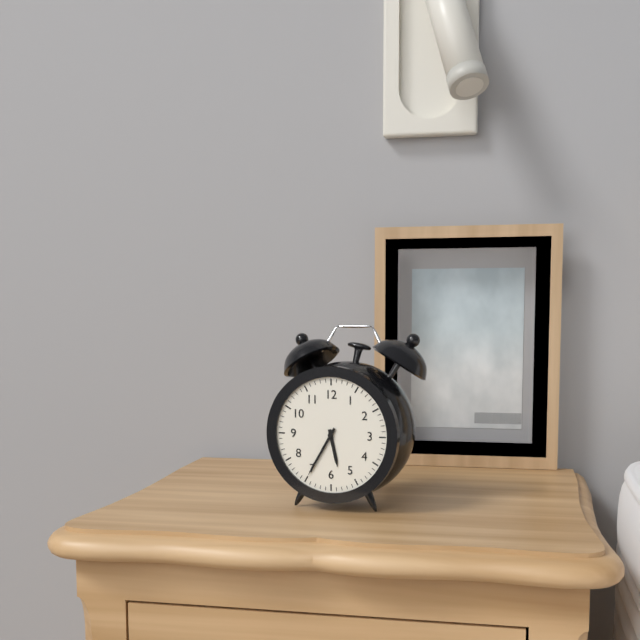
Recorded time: **5:35**
